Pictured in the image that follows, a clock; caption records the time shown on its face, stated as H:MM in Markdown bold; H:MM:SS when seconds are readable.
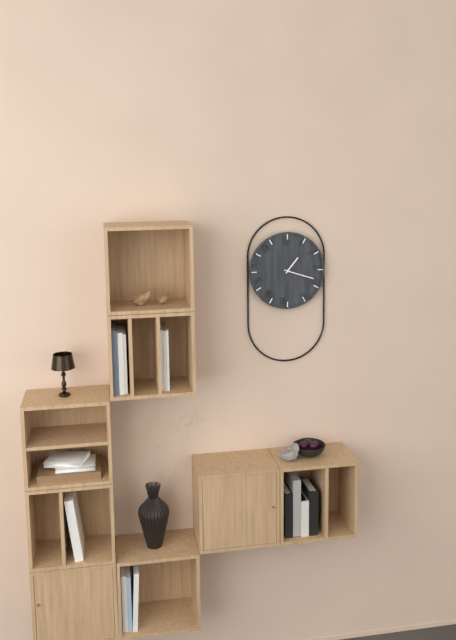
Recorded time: **1:18**
